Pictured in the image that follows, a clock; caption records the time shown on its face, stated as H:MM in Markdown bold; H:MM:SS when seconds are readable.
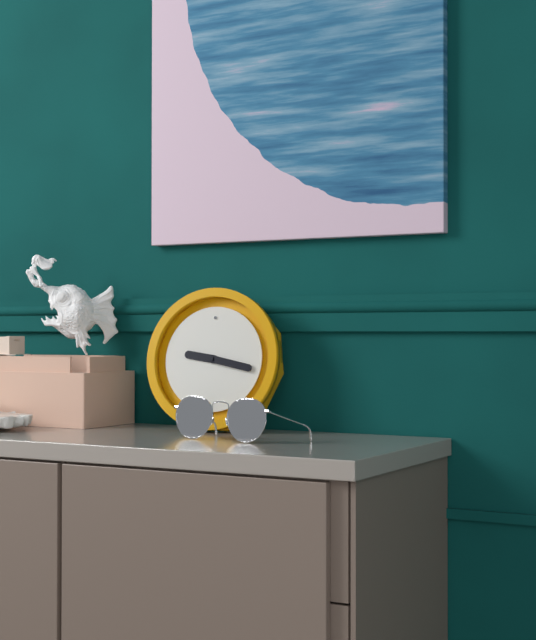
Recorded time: **9:17**
